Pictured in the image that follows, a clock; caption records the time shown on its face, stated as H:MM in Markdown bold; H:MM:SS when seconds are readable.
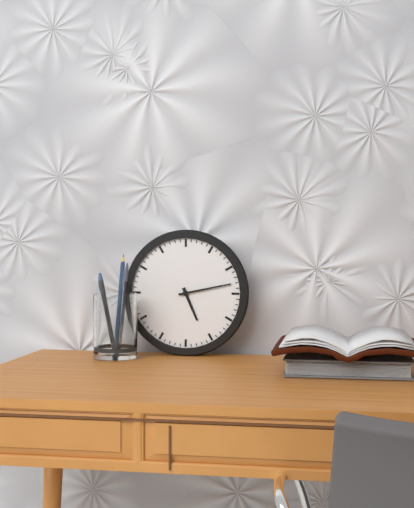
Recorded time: **5:13**
